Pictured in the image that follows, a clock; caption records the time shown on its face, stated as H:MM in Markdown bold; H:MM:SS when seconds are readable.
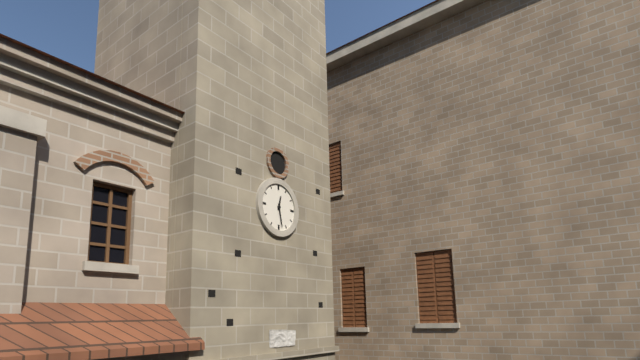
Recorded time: **12:28**
